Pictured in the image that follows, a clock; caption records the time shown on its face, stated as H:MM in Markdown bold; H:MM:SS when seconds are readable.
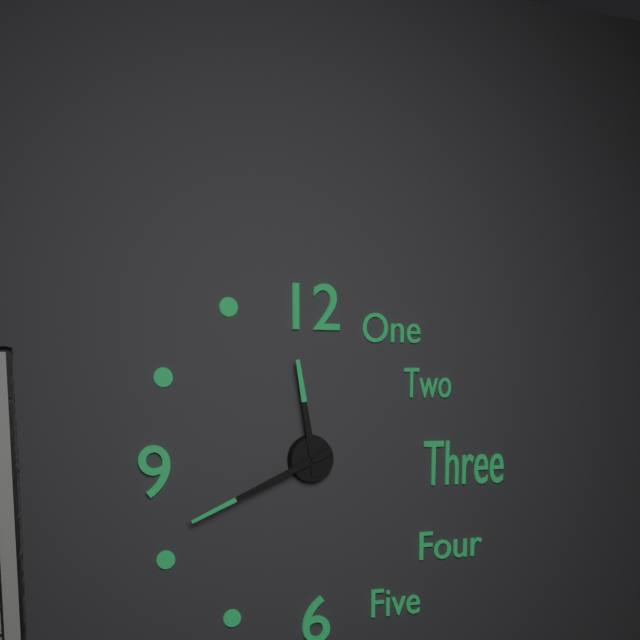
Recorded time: **11:41**
